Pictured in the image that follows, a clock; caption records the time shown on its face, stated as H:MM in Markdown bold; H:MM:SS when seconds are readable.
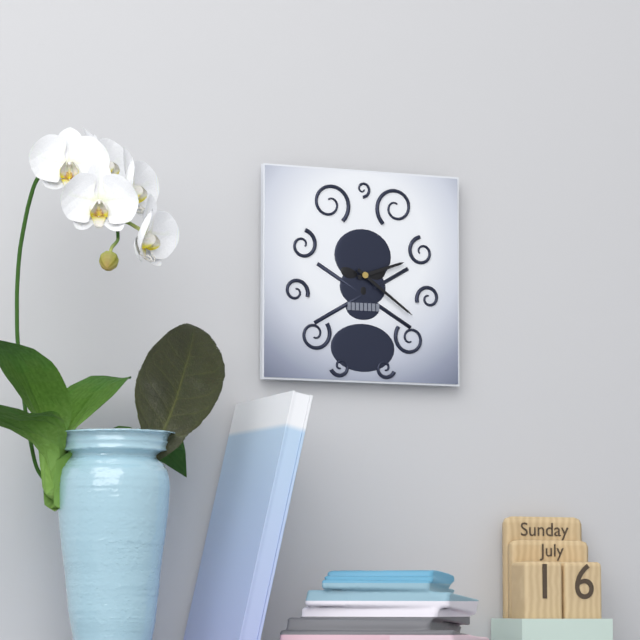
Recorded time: **2:21**
